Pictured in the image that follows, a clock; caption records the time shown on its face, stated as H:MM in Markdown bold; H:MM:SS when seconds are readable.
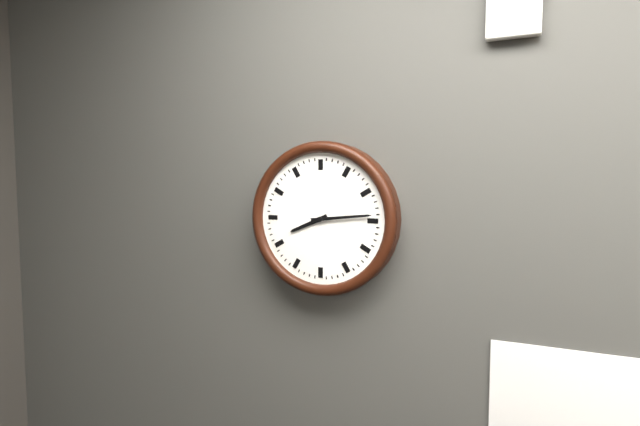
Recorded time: **8:14**
